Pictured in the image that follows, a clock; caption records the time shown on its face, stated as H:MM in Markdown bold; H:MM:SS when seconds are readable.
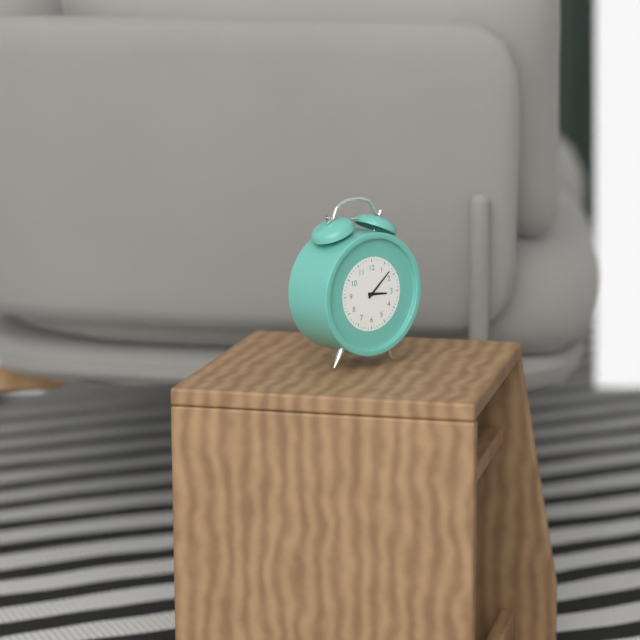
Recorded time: **3:08**
